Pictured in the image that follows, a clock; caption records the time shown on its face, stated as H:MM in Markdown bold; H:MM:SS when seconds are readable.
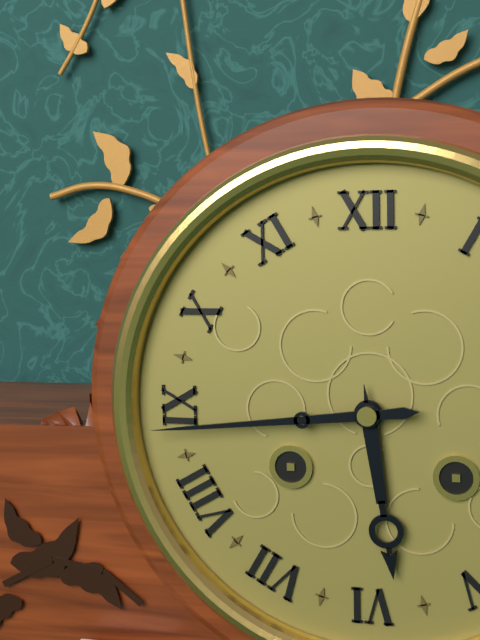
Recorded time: **5:44**
